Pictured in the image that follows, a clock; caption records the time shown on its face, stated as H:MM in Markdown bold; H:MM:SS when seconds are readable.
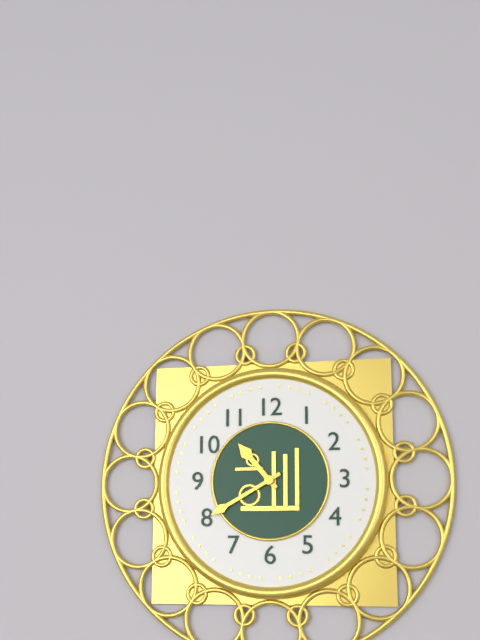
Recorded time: **10:40**
